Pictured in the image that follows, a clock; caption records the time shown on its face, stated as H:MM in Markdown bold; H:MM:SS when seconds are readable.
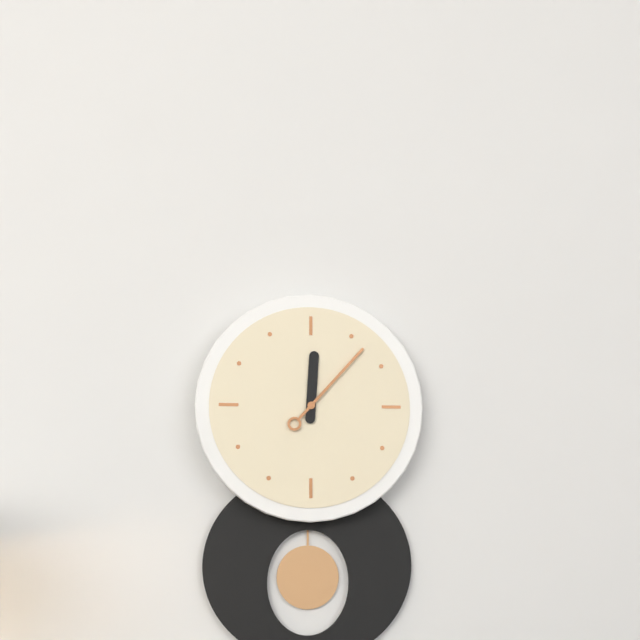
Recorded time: **12:07**
